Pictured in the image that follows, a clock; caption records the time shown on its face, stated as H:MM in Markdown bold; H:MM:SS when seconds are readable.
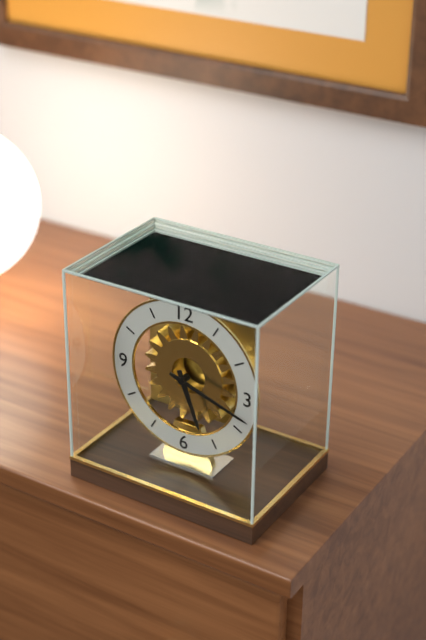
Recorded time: **5:18**
